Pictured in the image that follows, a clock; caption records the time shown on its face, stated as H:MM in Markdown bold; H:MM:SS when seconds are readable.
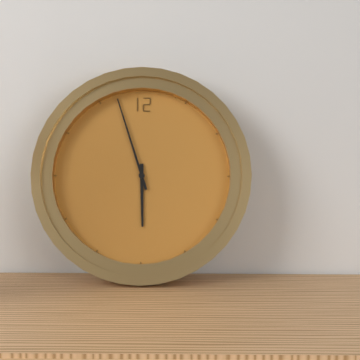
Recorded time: **5:57**
